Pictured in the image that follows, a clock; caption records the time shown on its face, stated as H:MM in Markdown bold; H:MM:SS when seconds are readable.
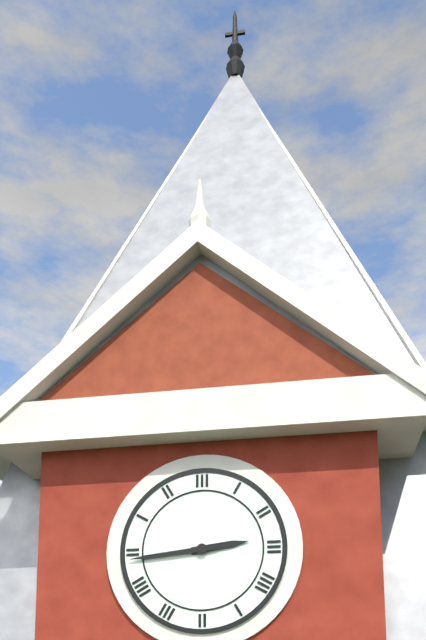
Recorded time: **2:44**
